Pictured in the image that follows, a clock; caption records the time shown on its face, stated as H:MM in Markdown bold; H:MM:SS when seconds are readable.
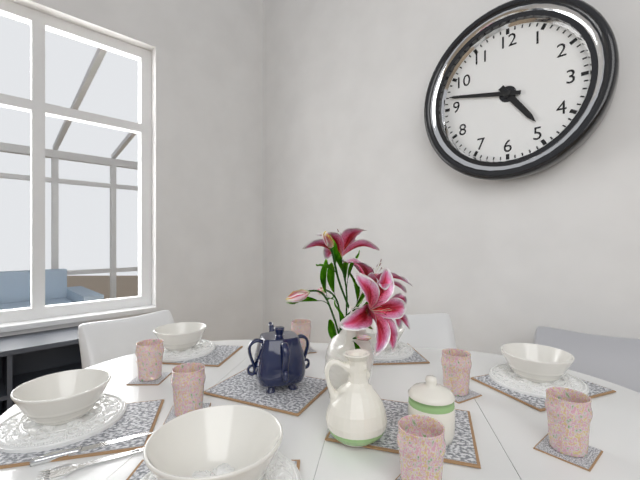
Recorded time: **4:47**
